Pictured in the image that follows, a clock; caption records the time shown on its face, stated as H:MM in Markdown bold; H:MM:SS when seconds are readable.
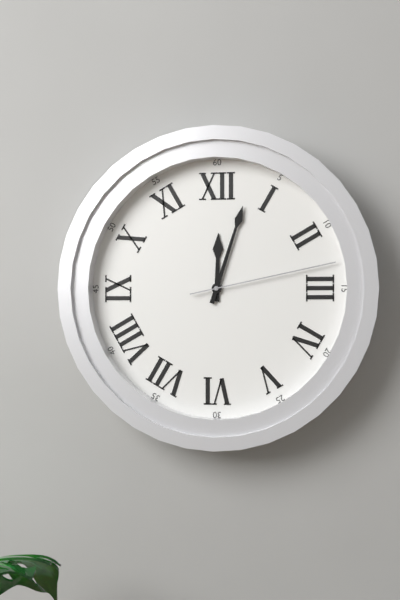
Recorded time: **12:03:13**
